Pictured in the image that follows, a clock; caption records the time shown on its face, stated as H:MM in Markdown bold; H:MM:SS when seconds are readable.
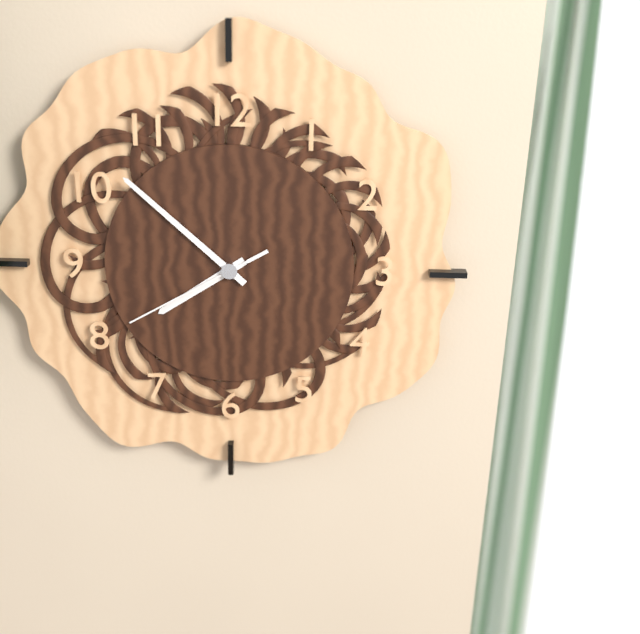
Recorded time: **7:52:40**
